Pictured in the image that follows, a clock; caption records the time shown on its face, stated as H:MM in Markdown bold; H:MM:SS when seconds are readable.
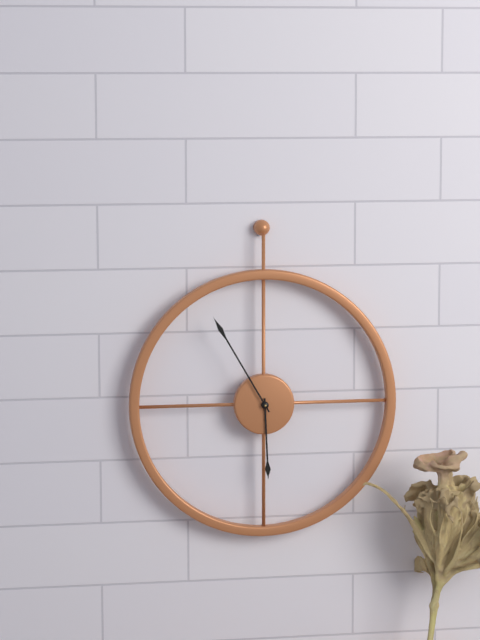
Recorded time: **5:55**
